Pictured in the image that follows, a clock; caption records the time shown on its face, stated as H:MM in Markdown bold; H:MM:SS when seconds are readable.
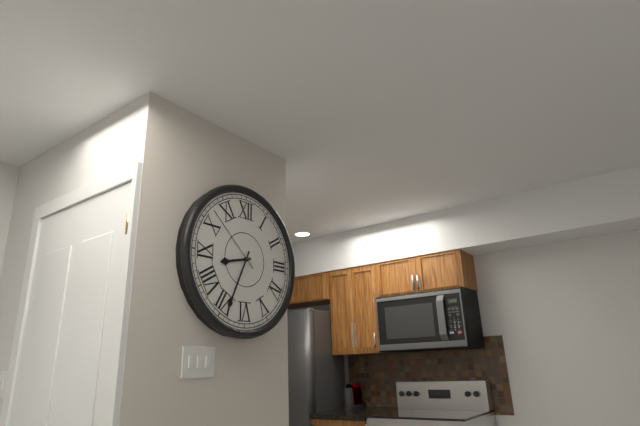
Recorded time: **8:34:52**
